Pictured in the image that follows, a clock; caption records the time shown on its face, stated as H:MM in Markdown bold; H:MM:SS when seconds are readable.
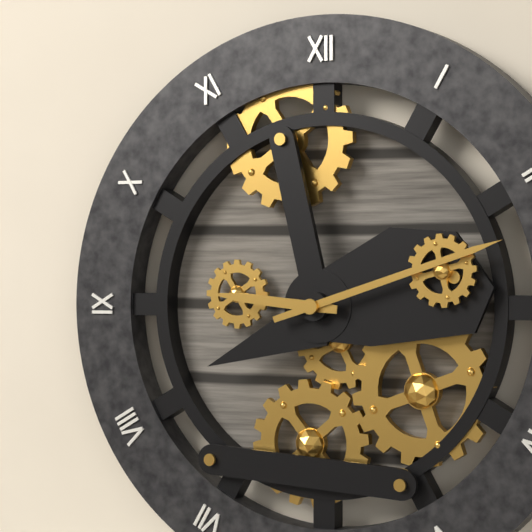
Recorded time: **9:12**
